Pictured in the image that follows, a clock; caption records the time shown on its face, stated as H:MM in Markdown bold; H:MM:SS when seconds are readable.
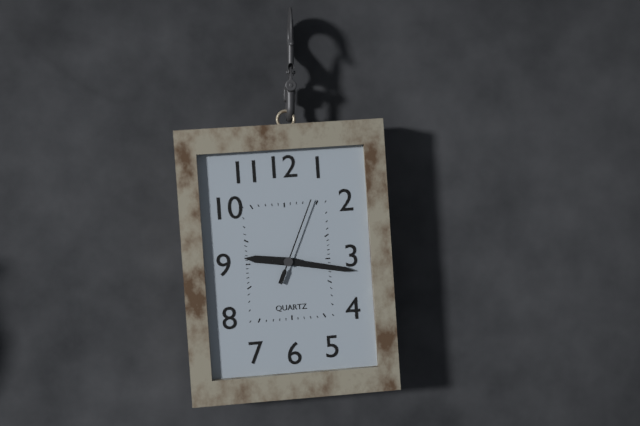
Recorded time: **9:17:04**
